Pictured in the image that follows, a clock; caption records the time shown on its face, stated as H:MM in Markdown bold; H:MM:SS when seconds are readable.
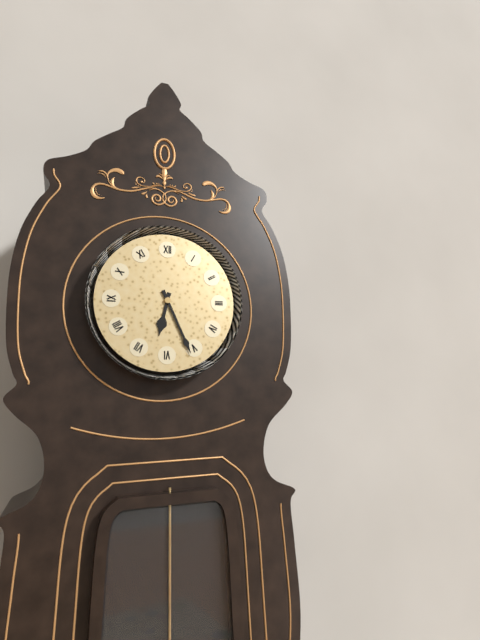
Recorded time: **6:26**
